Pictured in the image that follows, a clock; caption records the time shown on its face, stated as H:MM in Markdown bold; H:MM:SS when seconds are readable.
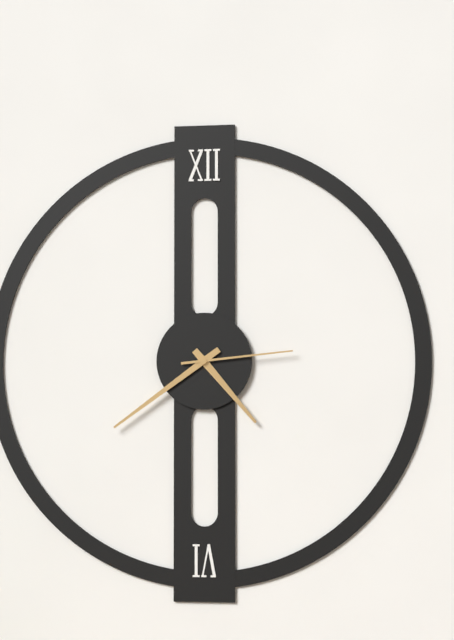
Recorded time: **4:39:14**
